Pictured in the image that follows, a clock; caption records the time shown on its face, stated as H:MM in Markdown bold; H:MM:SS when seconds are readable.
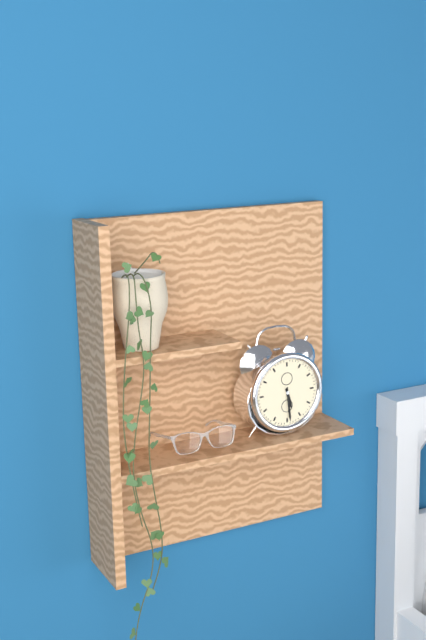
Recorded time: **5:29**
